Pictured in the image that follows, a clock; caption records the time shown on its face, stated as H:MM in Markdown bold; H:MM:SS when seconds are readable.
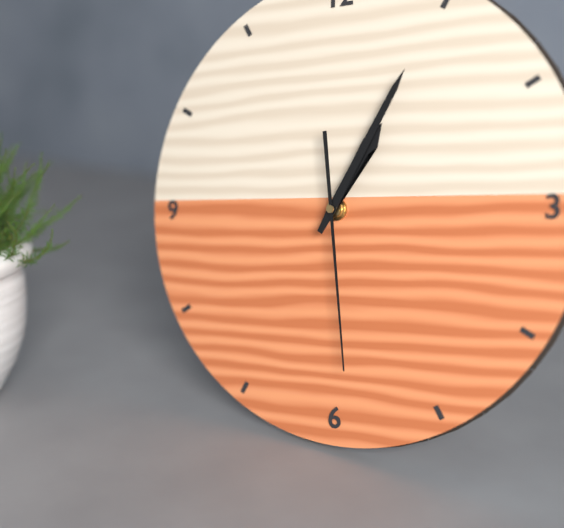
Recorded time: **1:05:29**
